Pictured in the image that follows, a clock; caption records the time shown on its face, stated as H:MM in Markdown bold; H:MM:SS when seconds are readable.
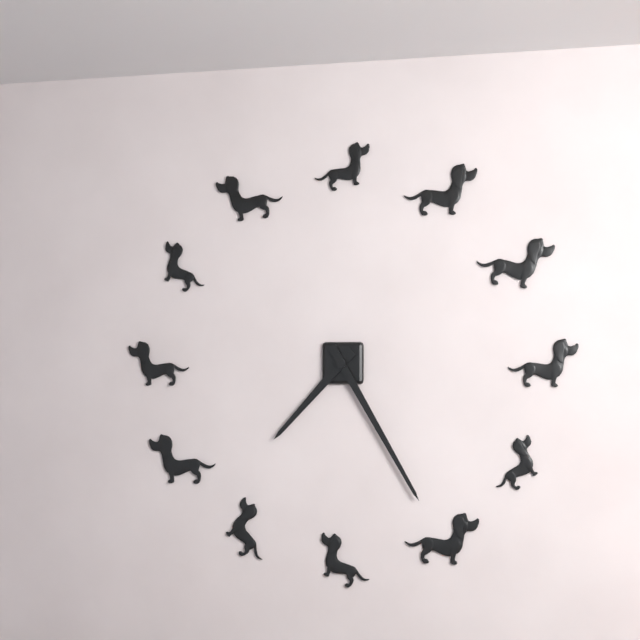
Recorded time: **7:25**
